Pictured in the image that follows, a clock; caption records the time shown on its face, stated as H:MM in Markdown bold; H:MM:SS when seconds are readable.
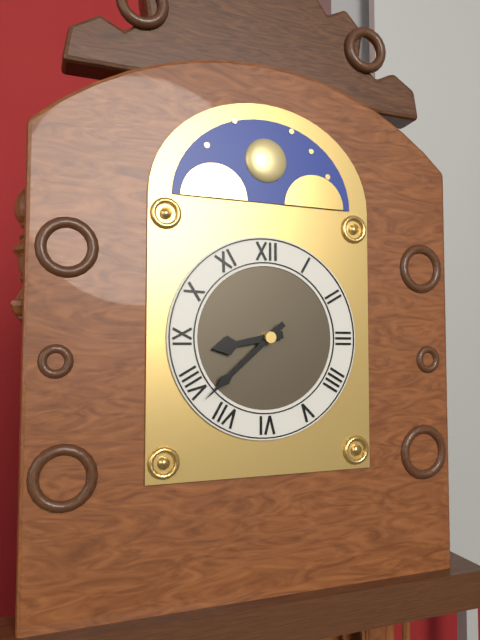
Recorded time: **8:38**
